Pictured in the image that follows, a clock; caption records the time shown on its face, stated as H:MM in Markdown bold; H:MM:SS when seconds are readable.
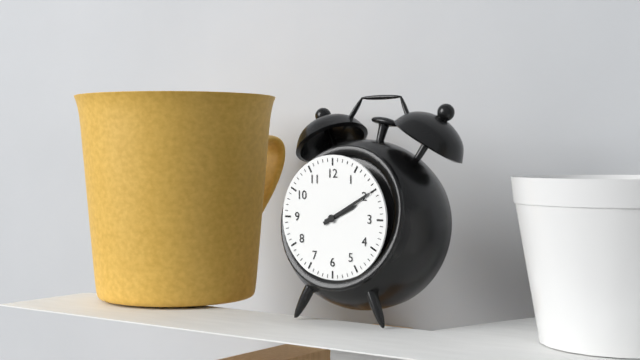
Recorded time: **2:10**
